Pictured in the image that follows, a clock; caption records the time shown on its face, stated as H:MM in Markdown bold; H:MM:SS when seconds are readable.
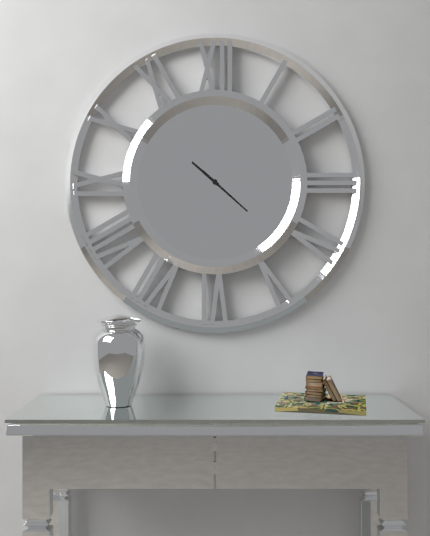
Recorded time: **10:22**
